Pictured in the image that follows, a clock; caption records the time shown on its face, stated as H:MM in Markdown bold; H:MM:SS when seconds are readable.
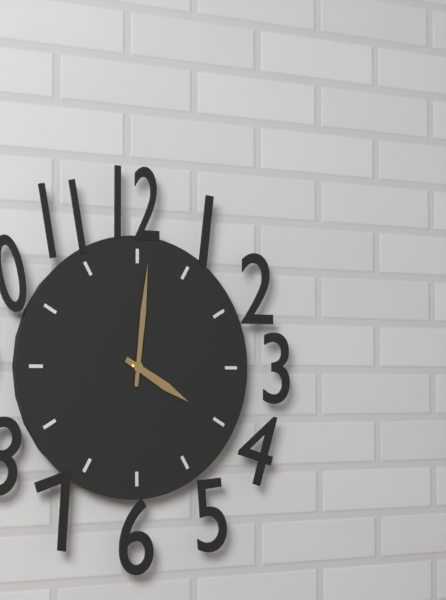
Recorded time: **4:01**
